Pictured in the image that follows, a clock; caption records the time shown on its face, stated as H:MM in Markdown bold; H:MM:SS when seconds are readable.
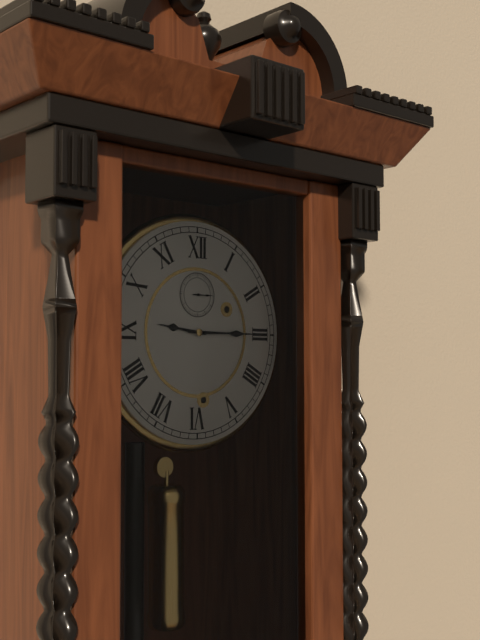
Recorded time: **9:15**
